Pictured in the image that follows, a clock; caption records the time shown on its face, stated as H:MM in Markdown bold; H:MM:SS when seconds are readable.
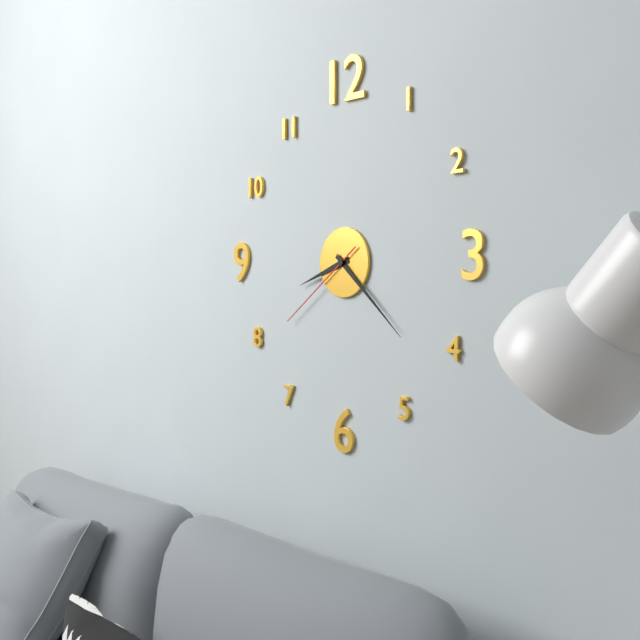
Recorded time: **8:22:39**
